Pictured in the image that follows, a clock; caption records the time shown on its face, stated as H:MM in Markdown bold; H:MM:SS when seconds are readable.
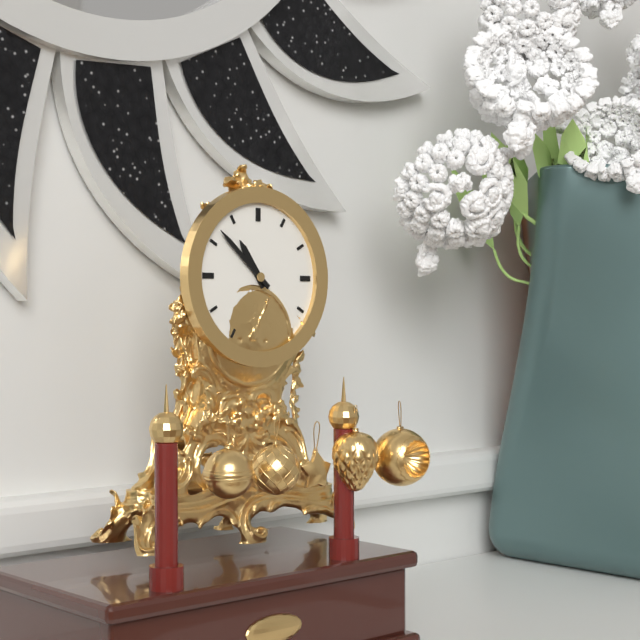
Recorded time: **10:52**
